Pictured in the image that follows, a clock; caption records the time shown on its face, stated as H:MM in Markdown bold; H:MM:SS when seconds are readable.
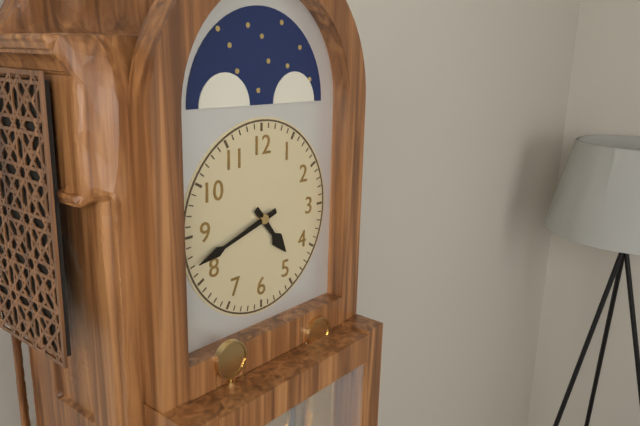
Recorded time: **4:42**
